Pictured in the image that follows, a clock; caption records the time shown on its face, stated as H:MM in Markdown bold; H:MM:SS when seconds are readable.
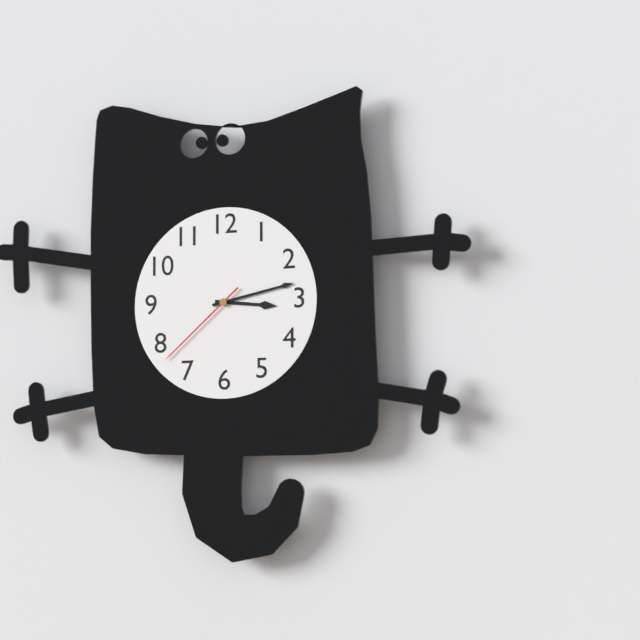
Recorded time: **3:13:38**
